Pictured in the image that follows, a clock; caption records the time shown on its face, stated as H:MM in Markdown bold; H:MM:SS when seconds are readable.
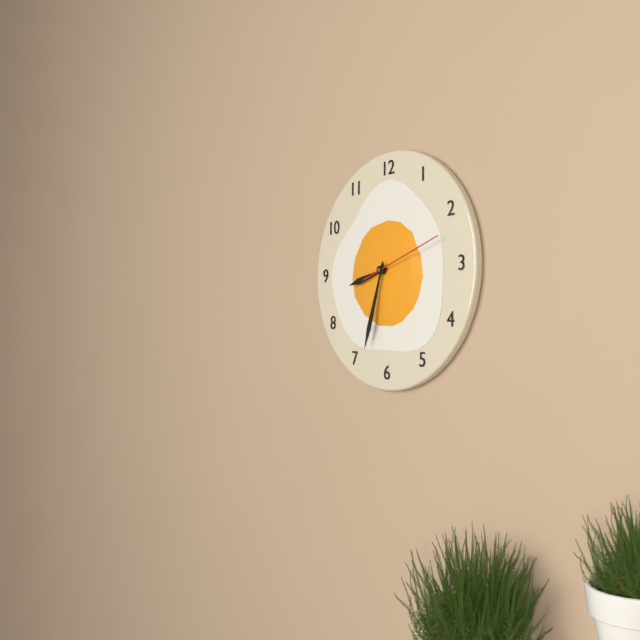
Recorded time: **8:33:12**
